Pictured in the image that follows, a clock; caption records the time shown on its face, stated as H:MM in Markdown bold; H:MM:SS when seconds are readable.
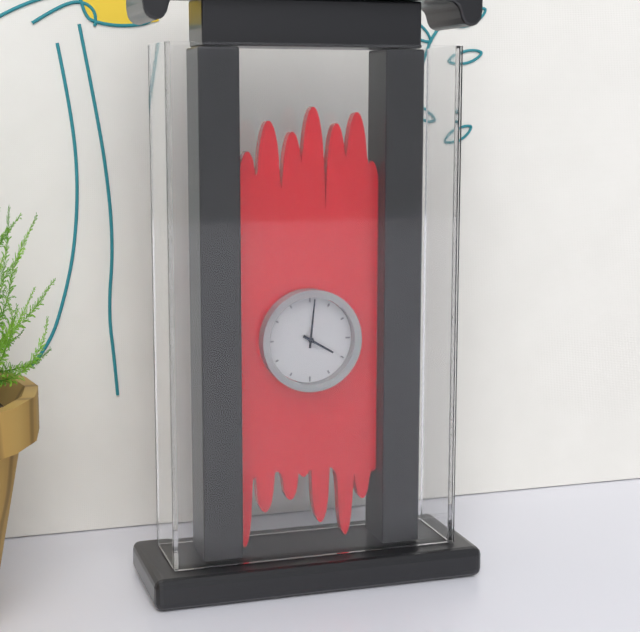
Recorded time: **4:01**
